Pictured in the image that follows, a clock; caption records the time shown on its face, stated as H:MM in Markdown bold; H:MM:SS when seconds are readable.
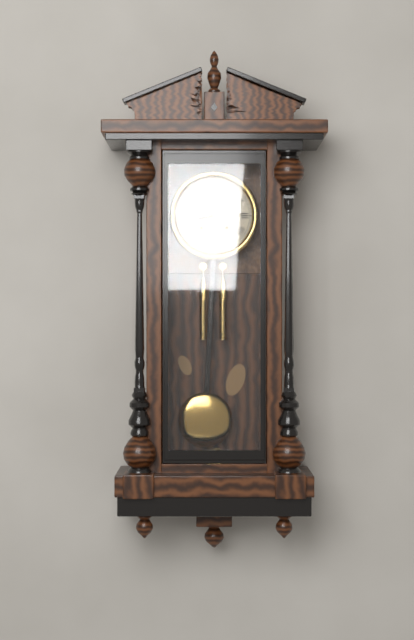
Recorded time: **8:34**
